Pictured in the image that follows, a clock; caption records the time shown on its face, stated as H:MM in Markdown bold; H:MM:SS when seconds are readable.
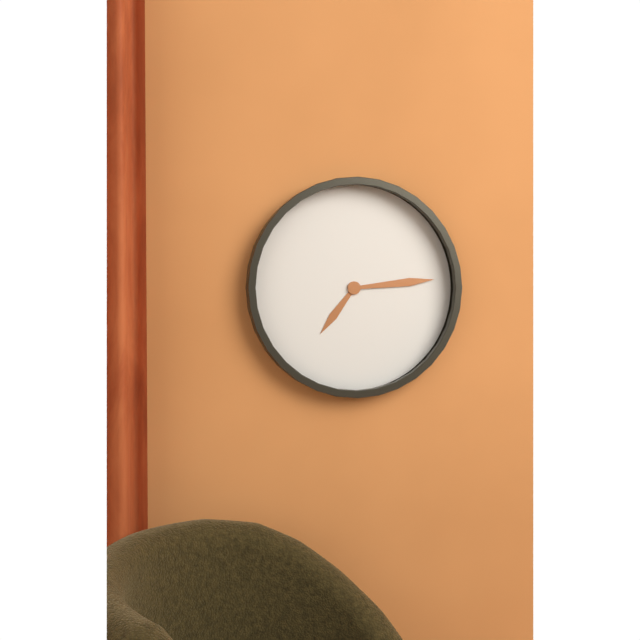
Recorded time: **7:14**
